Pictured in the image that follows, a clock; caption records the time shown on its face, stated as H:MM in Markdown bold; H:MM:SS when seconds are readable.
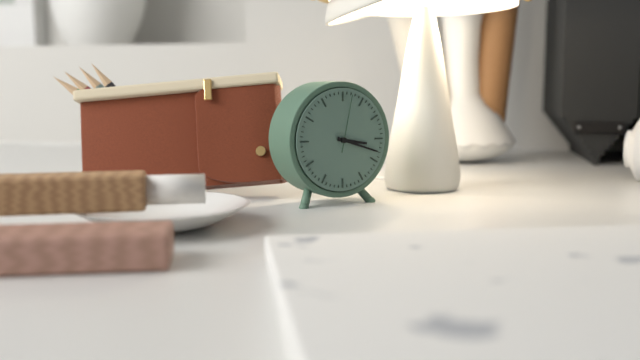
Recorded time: **3:18:02**
